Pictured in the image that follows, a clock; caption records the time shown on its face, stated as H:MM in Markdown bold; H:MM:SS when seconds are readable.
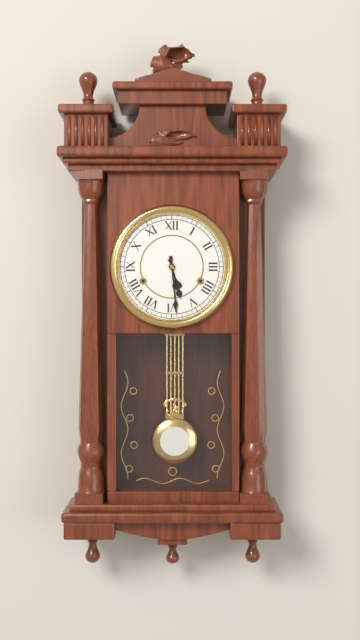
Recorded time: **5:29**
